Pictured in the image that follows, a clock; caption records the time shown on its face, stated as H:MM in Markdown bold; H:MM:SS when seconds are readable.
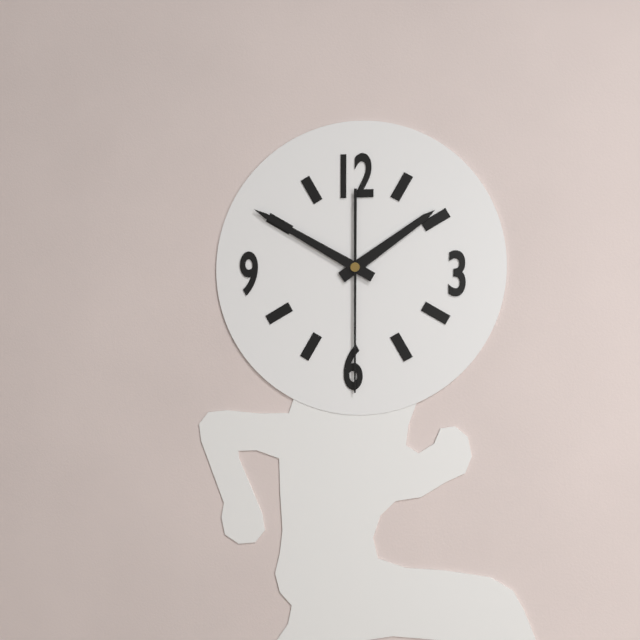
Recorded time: **1:50:30**
